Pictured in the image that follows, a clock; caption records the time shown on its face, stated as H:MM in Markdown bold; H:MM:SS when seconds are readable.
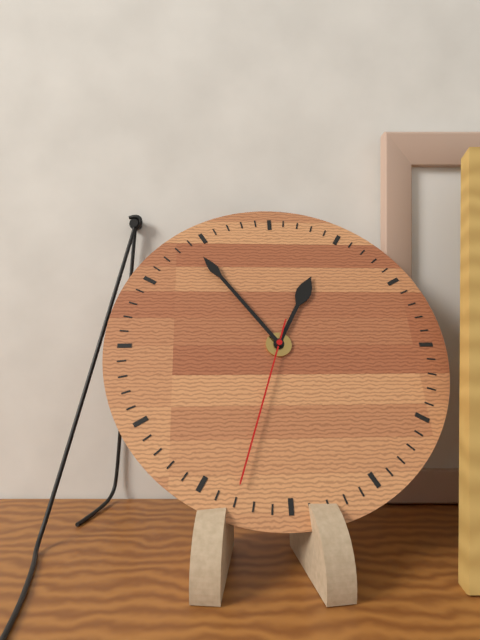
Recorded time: **12:54:33**
